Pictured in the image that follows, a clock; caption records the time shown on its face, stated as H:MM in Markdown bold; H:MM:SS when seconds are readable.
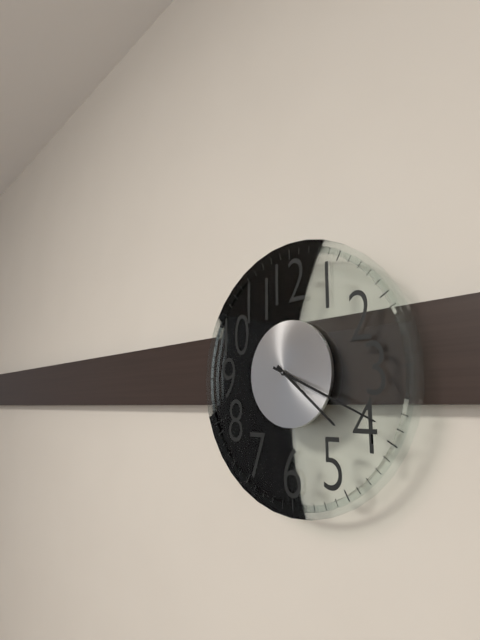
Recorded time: **4:19**
